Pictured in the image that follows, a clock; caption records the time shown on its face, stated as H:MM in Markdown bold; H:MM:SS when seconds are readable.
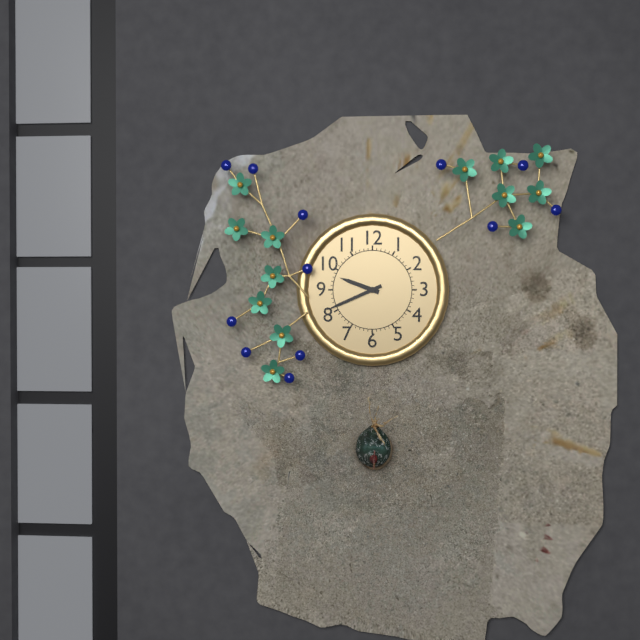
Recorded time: **9:41**
